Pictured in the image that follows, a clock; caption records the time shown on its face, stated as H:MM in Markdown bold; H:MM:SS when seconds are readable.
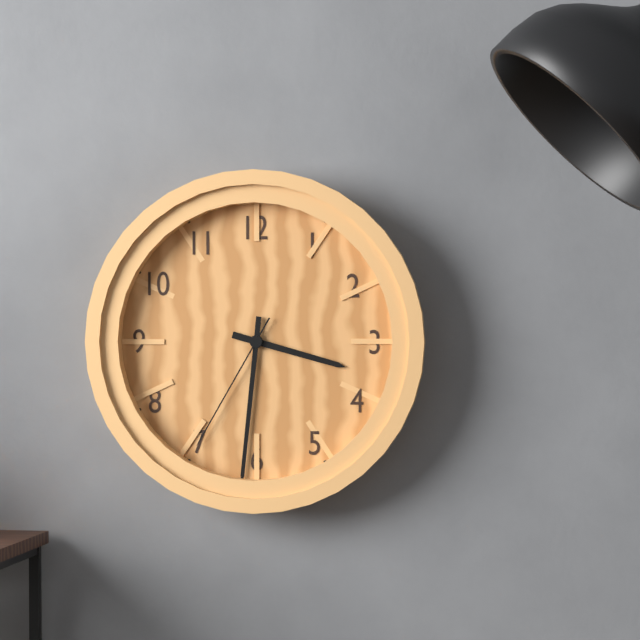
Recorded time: **3:31:35**
